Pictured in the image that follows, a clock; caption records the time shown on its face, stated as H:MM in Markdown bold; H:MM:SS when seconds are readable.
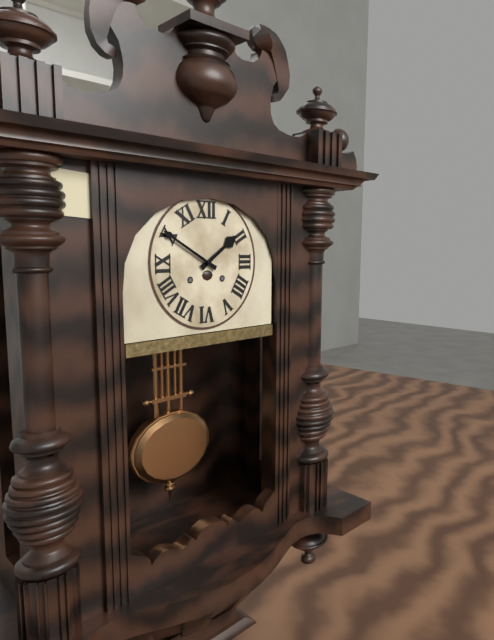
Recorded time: **1:50**
